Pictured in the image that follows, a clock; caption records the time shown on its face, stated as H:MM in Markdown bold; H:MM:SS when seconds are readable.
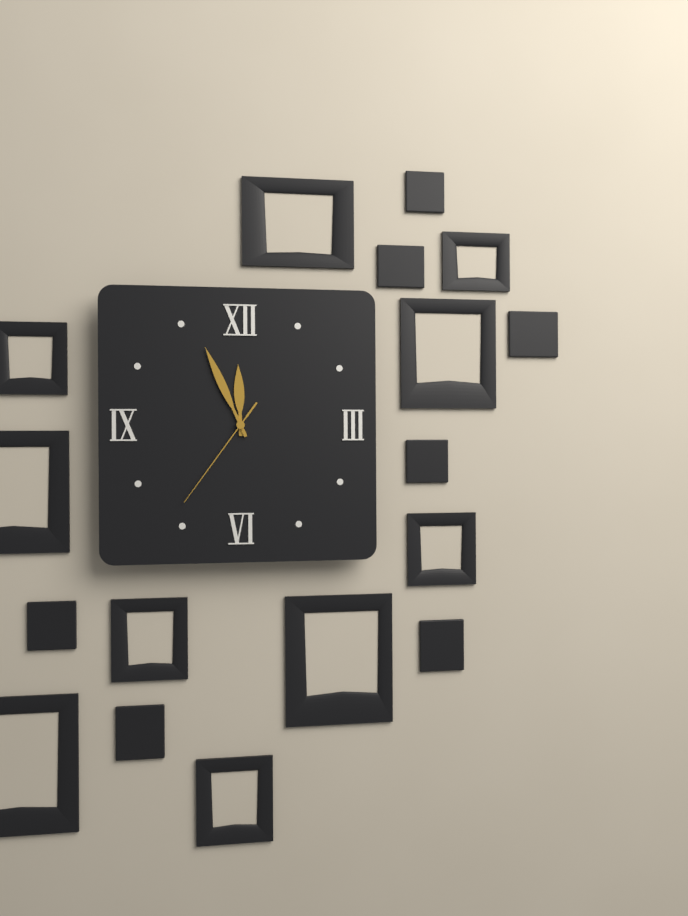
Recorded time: **11:56:36**
